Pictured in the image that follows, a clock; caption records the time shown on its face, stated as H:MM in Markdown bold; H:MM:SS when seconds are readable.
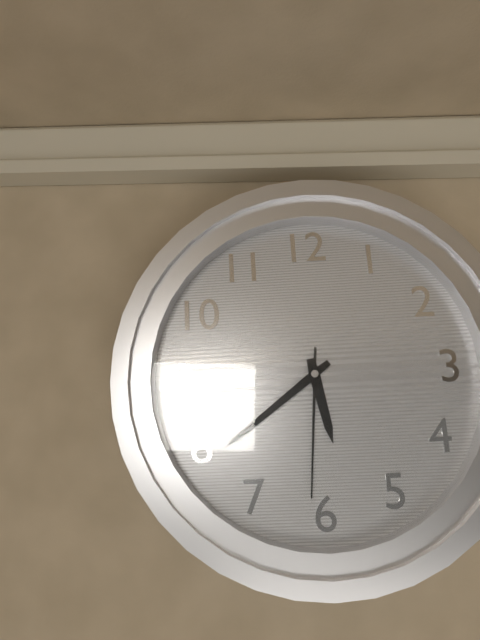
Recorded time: **5:39:31**
